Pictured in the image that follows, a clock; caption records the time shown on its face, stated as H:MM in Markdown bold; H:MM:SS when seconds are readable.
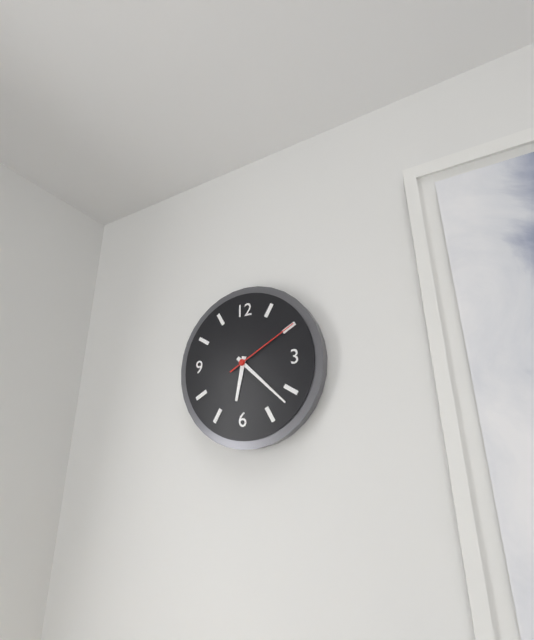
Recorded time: **6:22:10**
